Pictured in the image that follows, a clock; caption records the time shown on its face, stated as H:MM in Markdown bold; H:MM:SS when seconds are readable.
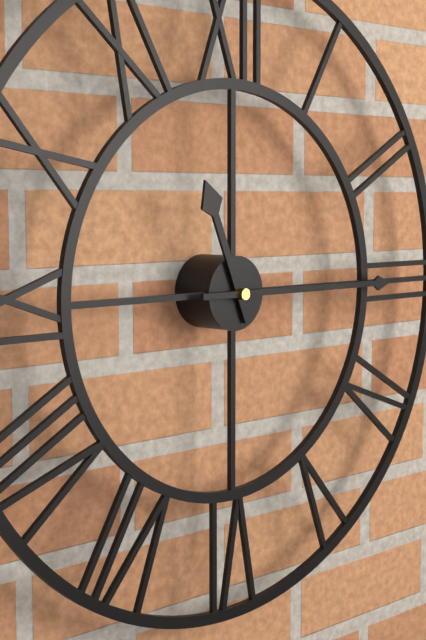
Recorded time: **11:15**
